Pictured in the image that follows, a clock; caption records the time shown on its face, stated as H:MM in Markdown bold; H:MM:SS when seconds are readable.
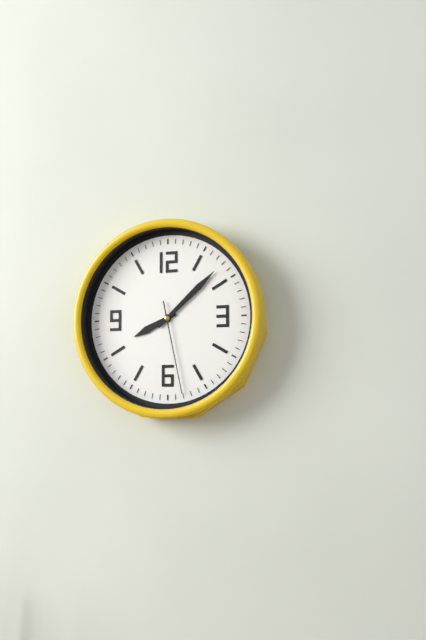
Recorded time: **8:08:28**
